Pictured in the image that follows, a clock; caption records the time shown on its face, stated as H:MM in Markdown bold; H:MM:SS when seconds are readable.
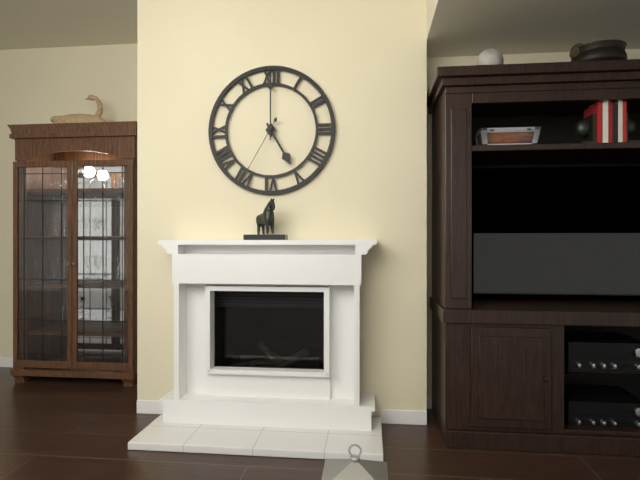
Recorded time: **5:00:35**
